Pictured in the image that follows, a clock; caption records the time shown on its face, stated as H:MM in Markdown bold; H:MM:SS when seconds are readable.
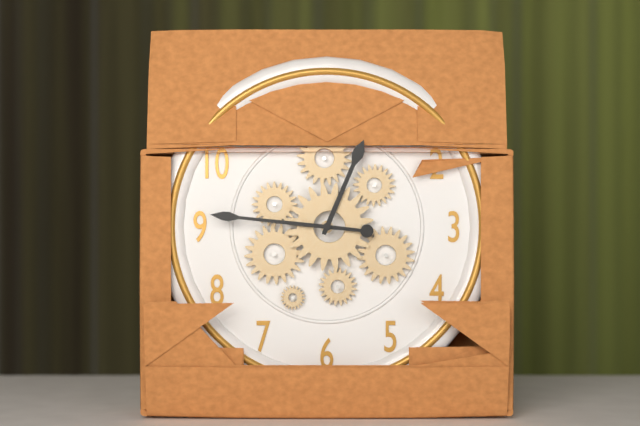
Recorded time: **12:46**
